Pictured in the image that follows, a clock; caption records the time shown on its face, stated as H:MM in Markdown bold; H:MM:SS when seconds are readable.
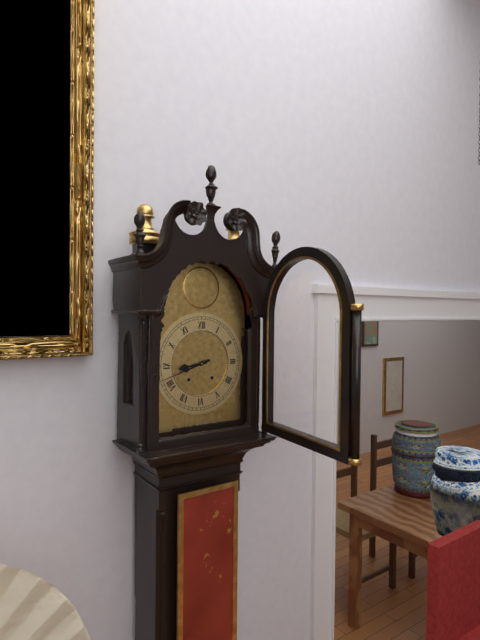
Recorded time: **8:42**
